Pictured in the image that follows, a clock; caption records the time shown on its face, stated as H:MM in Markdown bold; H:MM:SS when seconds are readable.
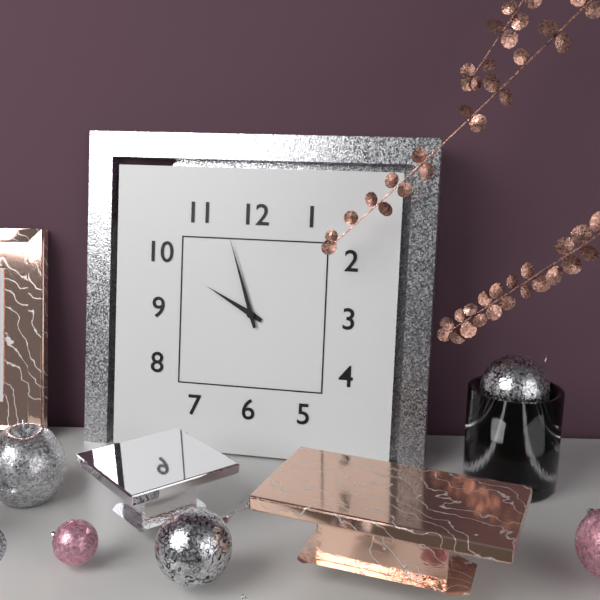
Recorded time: **9:57**
